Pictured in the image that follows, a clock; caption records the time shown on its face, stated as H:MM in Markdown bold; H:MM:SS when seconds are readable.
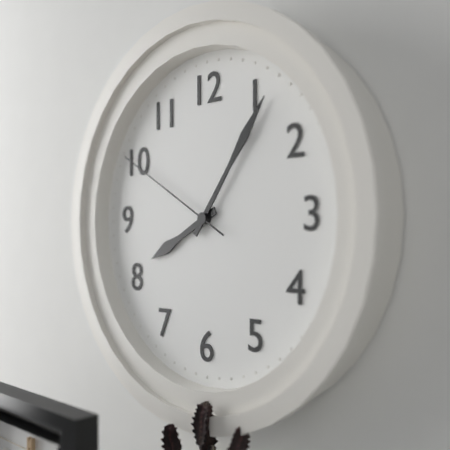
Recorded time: **8:06:50**
